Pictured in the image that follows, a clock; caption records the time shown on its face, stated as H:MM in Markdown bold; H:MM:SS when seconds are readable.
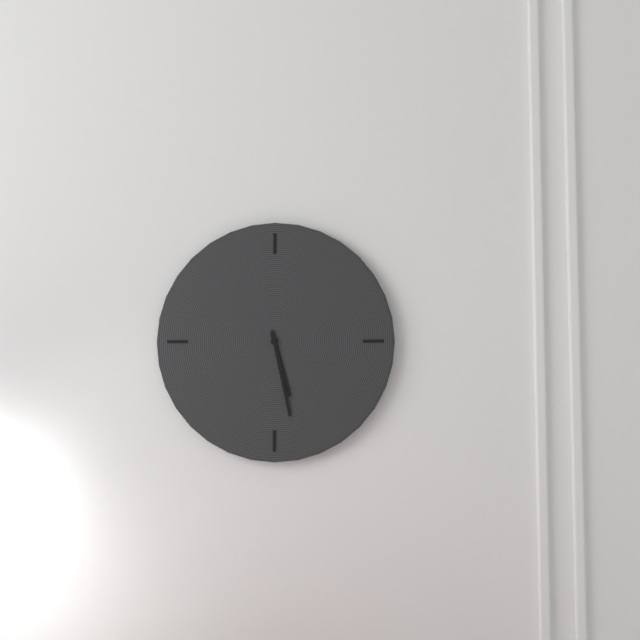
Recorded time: **5:28**
